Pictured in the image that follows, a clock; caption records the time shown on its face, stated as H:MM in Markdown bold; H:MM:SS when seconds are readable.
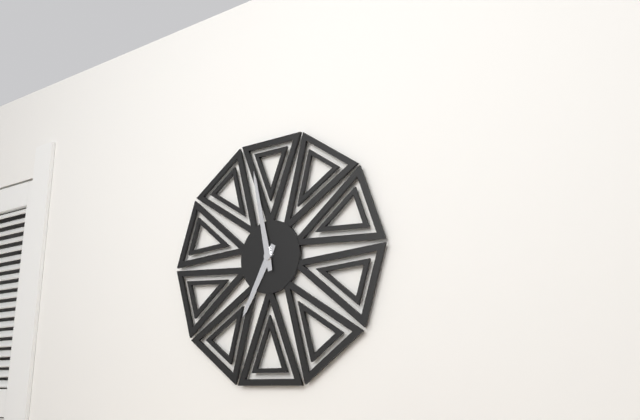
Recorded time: **6:58**
